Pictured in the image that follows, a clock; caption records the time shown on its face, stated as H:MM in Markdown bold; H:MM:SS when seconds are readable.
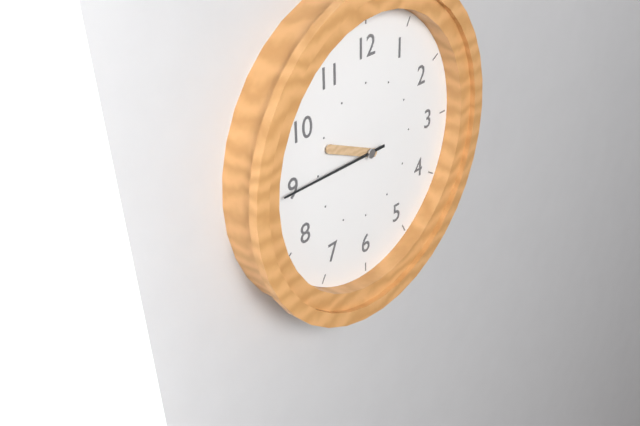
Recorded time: **9:45**
